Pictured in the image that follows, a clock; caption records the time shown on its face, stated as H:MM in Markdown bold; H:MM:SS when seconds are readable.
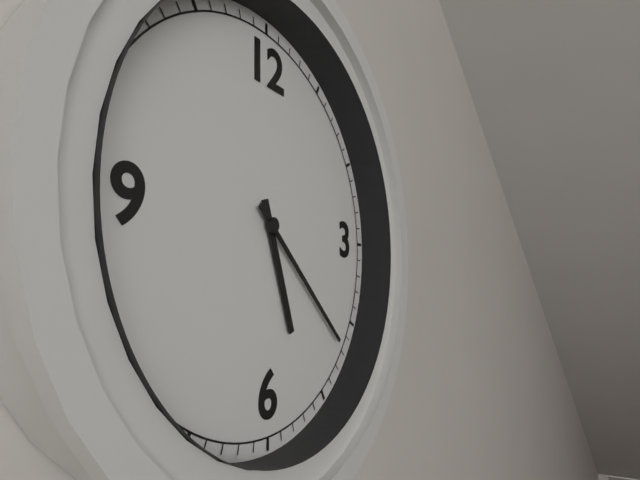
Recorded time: **5:22**
